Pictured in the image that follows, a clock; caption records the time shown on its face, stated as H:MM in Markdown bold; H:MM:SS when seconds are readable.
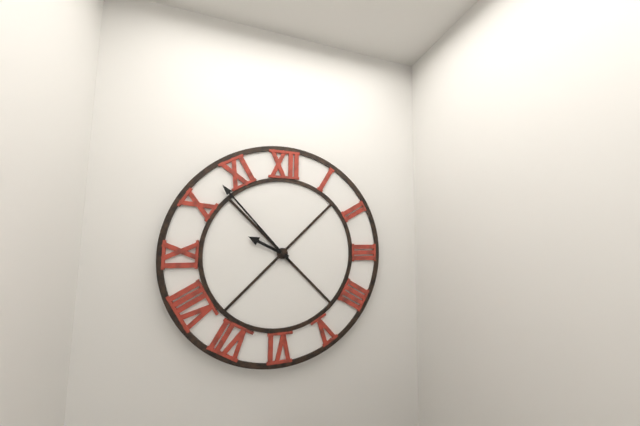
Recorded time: **9:53**
